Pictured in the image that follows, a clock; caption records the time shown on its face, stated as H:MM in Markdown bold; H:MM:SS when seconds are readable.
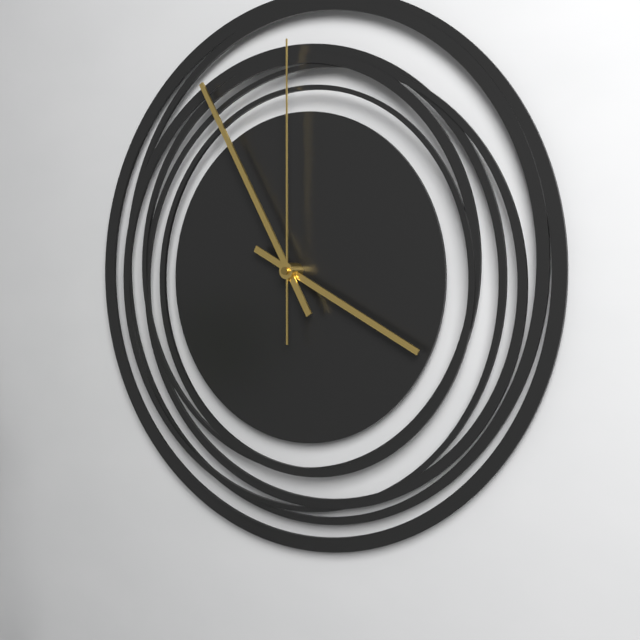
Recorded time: **3:55:00**
